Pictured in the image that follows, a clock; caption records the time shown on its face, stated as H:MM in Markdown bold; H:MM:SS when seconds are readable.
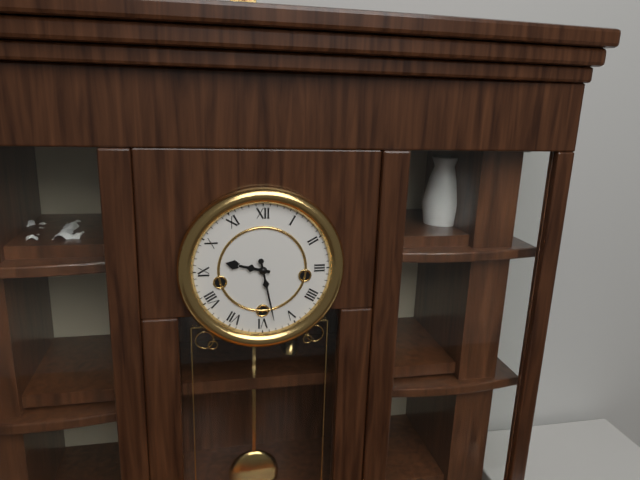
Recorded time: **9:28**
